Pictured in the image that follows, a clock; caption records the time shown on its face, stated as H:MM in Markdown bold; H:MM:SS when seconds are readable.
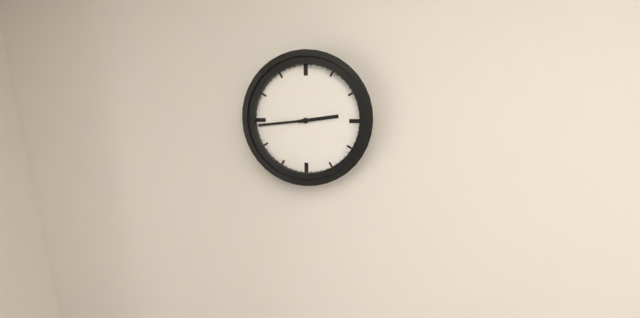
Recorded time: **2:44**
